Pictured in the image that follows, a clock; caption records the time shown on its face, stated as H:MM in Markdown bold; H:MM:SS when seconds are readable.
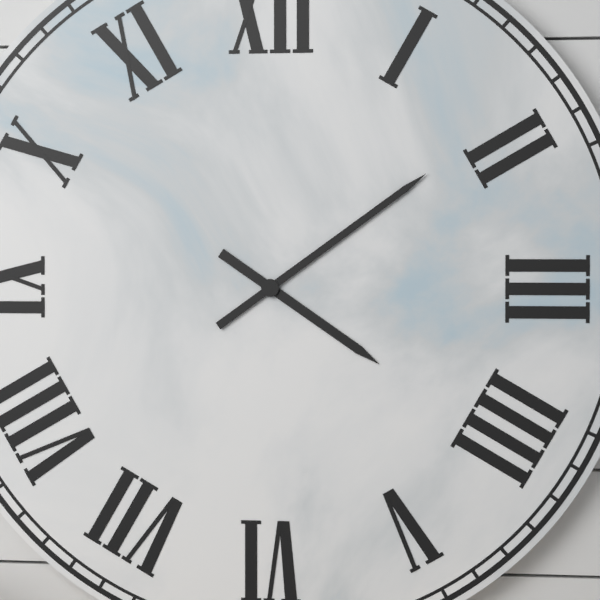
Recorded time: **4:09**
